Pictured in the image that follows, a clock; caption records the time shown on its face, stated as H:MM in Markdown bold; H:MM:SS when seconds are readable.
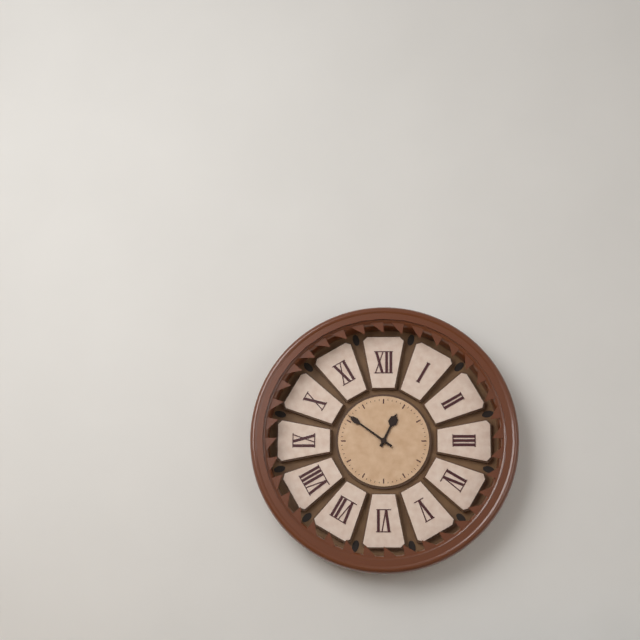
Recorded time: **12:51**
